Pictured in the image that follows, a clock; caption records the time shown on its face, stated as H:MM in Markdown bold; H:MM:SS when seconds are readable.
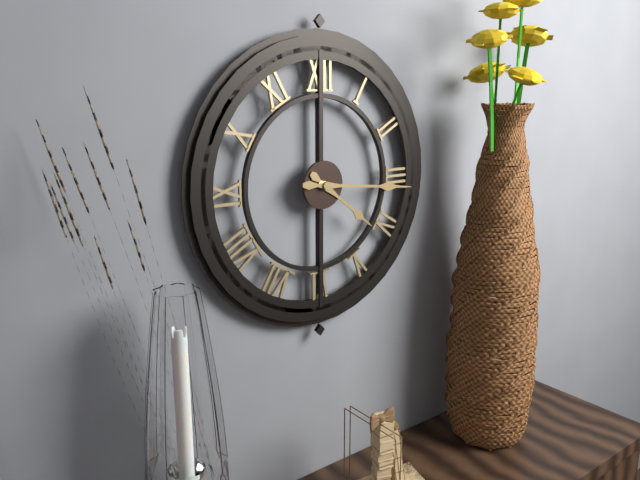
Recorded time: **4:16**
